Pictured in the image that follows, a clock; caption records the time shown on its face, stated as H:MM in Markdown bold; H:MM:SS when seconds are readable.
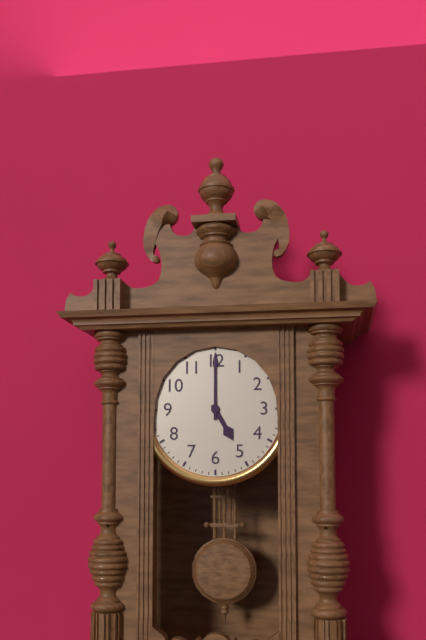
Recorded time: **5:00**
